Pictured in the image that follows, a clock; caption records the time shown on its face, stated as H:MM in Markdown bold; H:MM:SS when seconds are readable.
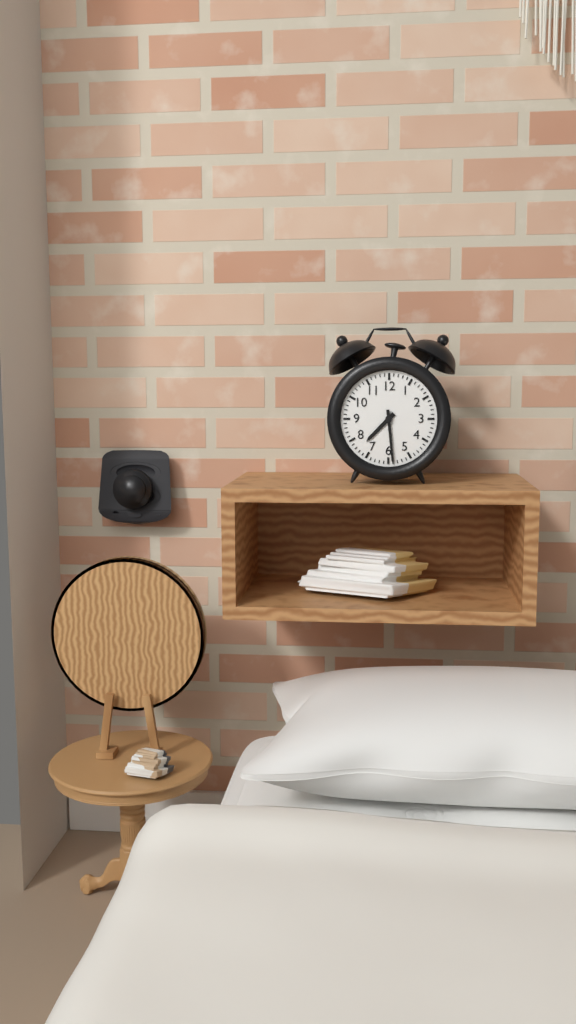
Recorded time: **7:29**
